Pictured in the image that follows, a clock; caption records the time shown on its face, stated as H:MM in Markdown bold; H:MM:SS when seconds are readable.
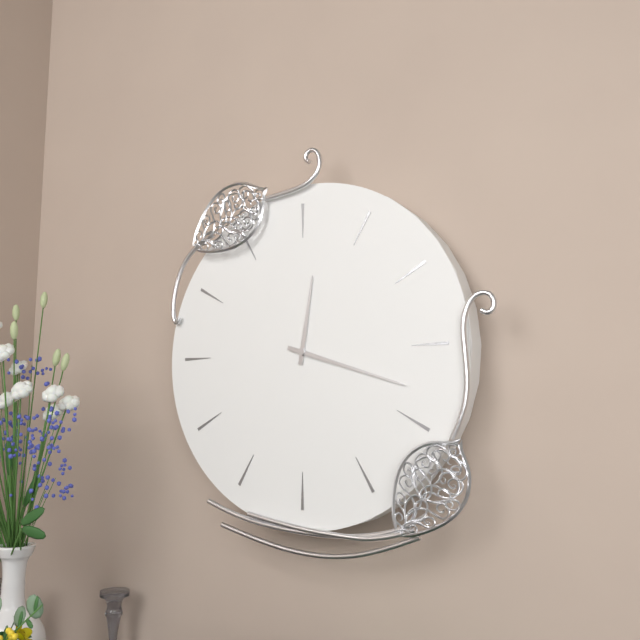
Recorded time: **12:18**
